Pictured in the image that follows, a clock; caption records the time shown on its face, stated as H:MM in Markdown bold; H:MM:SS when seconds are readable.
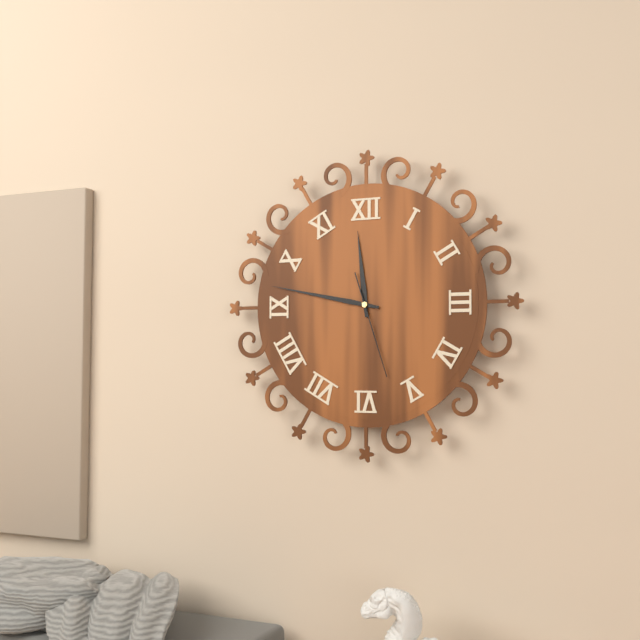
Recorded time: **11:47:27**
